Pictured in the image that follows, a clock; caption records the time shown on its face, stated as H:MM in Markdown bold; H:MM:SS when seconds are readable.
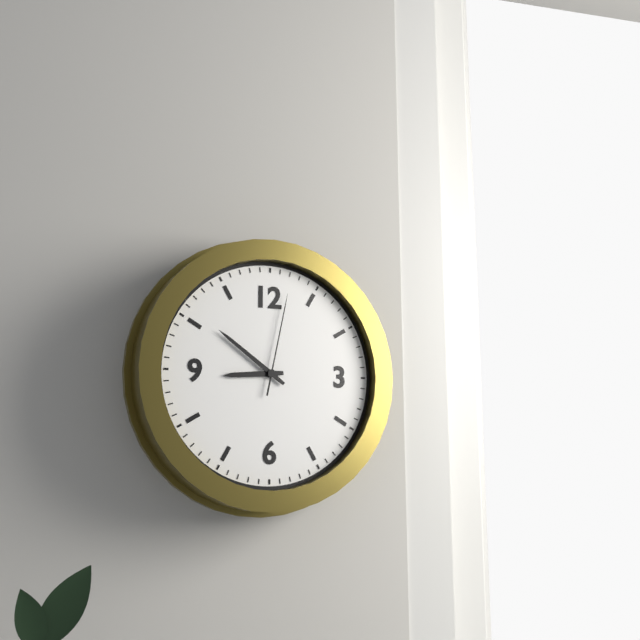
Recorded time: **8:51:02**
